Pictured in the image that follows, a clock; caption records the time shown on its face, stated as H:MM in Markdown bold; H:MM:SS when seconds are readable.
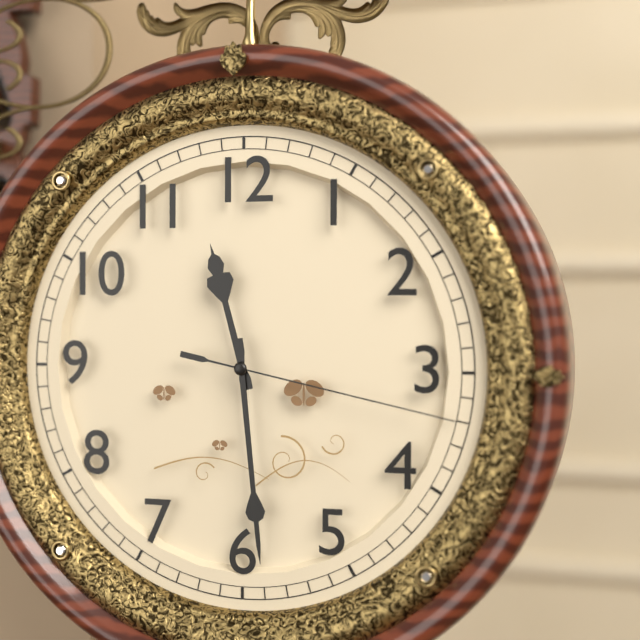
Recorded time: **11:29:17**
